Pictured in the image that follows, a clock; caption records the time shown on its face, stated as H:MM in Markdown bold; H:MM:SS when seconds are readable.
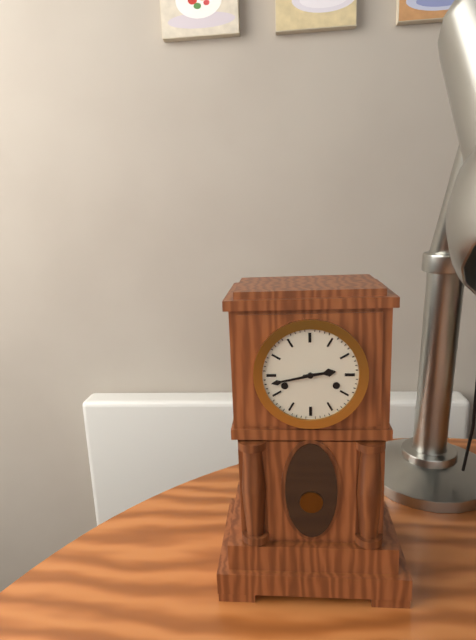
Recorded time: **2:43**
